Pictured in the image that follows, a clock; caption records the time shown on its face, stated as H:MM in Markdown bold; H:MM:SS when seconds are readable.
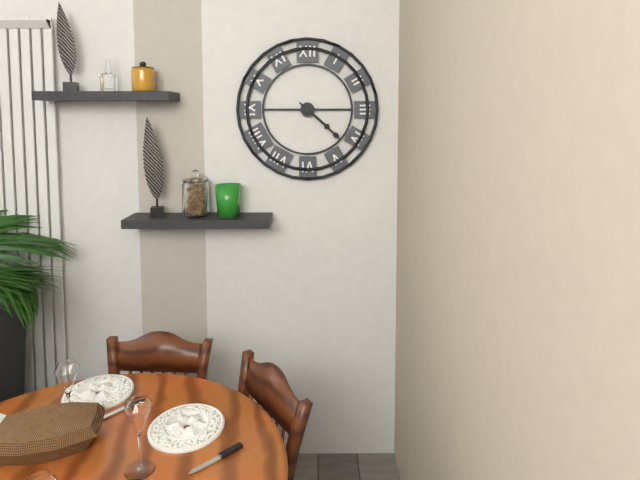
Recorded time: **4:22**
